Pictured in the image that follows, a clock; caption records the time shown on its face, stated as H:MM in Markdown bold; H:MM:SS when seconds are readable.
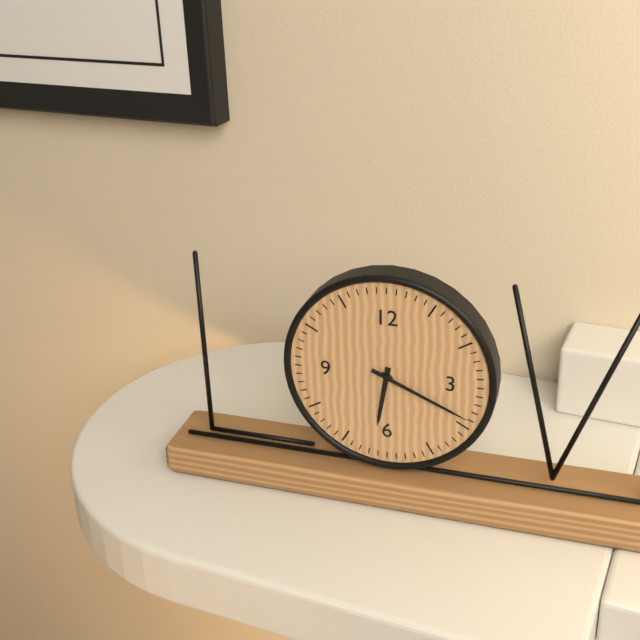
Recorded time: **6:19**
